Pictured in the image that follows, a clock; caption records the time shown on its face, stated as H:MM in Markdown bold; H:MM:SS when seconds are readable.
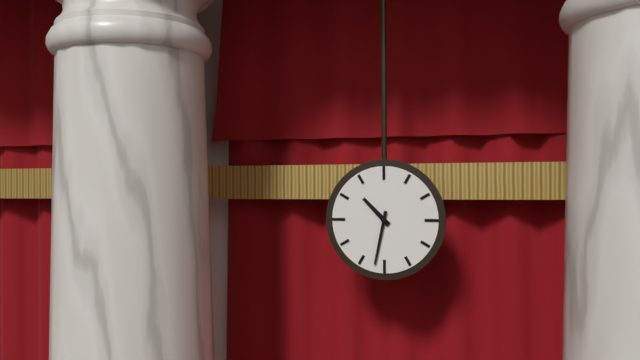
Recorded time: **10:32**
